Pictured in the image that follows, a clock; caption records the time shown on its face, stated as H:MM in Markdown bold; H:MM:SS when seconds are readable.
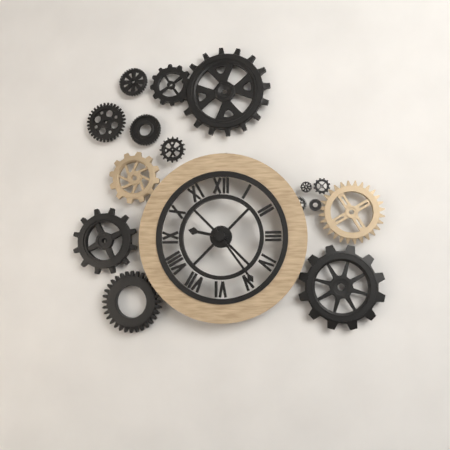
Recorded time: **9:24**
